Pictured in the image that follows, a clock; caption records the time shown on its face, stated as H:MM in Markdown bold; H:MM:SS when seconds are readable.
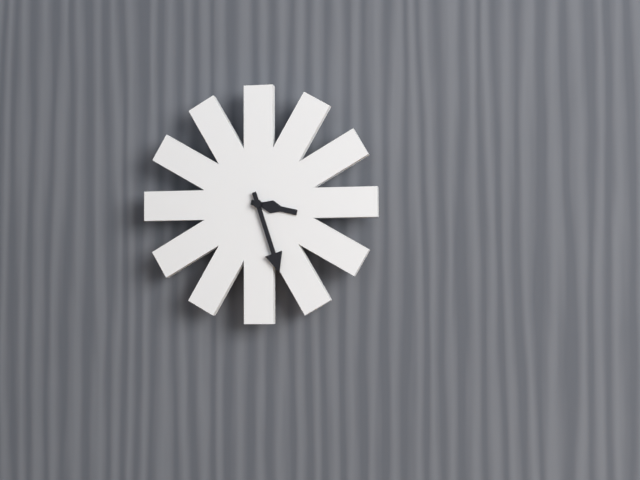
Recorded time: **3:27**
